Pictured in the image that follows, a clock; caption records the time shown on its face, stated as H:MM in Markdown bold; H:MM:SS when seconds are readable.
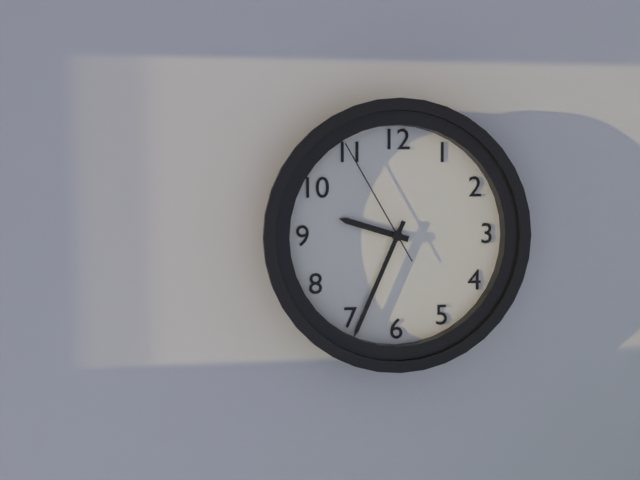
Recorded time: **9:34:55**
